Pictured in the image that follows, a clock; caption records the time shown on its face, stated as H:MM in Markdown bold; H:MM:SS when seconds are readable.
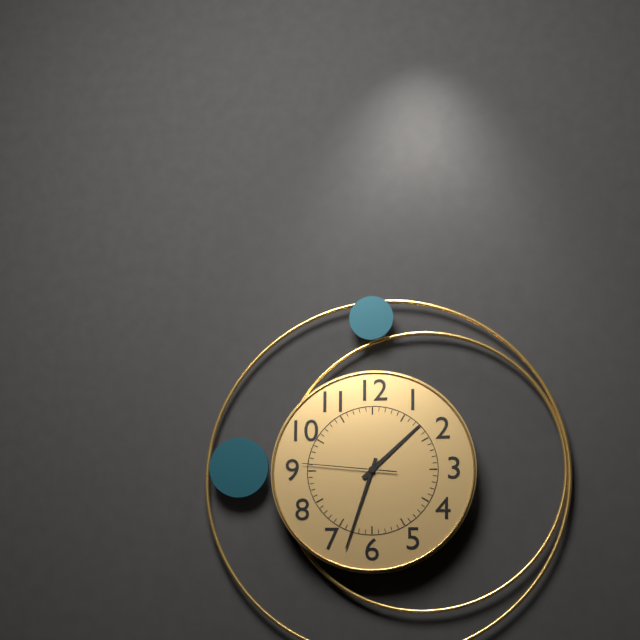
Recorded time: **1:33:46**
